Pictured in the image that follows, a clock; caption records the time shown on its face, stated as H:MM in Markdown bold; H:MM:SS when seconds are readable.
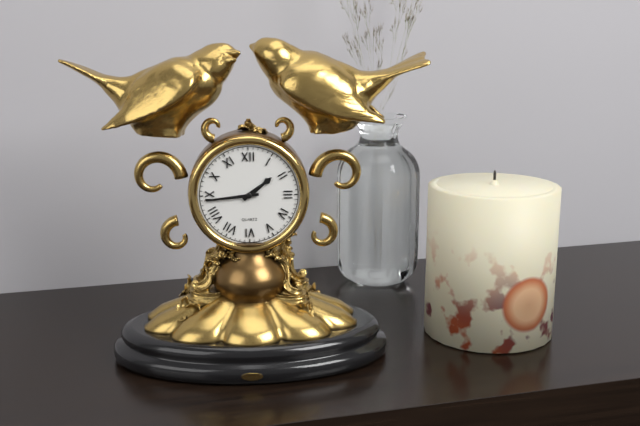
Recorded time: **1:44**
